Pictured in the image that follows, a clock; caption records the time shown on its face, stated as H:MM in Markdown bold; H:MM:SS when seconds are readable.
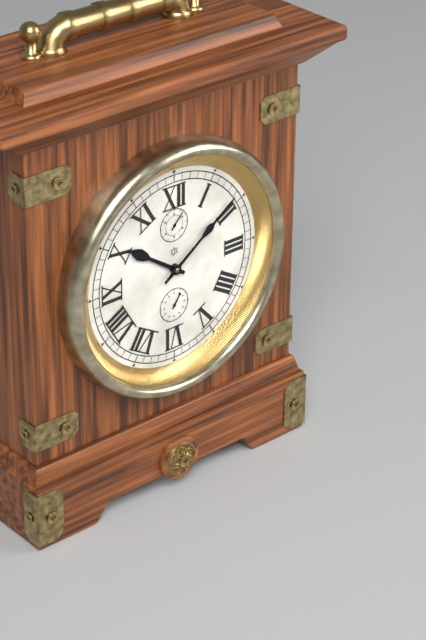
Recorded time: **10:09**
